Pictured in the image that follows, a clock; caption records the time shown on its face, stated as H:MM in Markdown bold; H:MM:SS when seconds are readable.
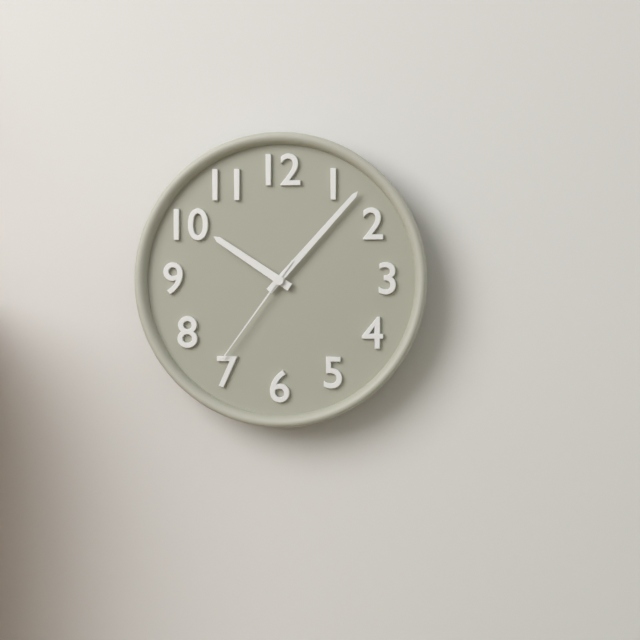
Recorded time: **10:07:36**
